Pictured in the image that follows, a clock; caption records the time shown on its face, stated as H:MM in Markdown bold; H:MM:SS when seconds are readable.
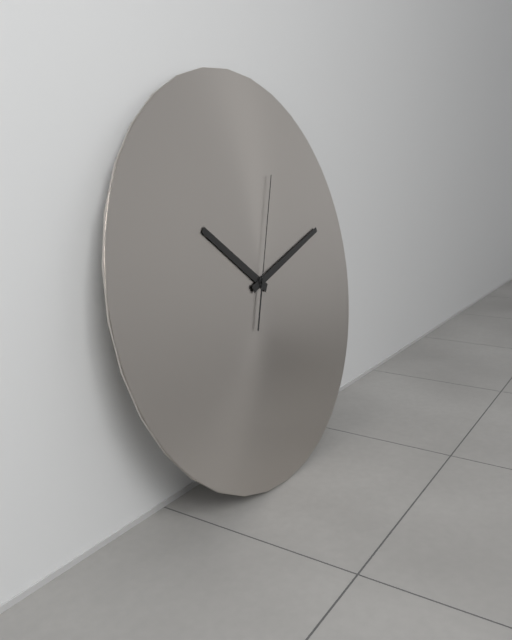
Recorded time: **10:12:04**
